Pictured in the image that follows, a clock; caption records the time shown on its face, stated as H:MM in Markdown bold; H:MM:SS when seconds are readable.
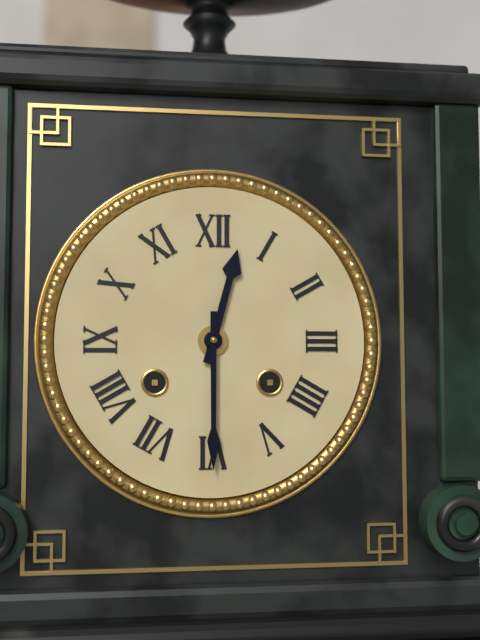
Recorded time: **12:30**
